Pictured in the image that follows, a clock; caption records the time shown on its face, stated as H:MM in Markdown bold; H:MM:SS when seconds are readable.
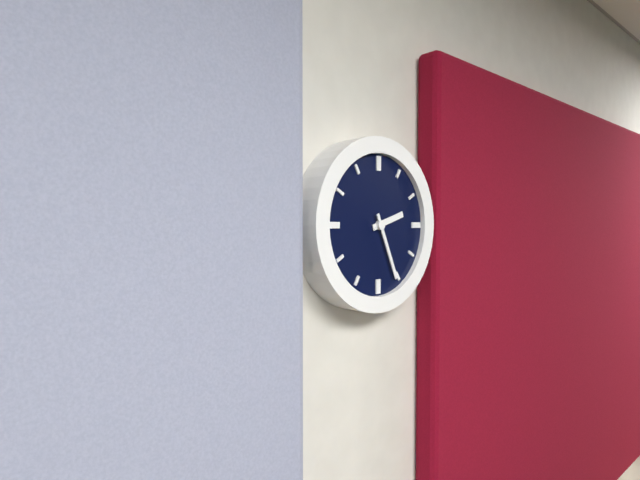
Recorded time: **2:26**
